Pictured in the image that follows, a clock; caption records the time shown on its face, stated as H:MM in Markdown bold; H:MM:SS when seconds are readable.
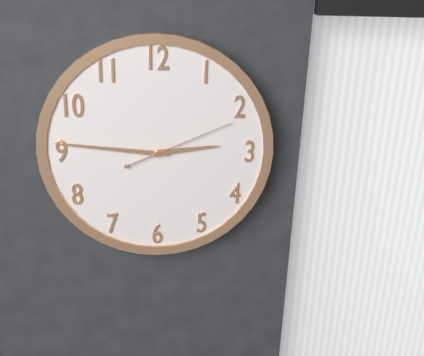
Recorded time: **2:46:11**
